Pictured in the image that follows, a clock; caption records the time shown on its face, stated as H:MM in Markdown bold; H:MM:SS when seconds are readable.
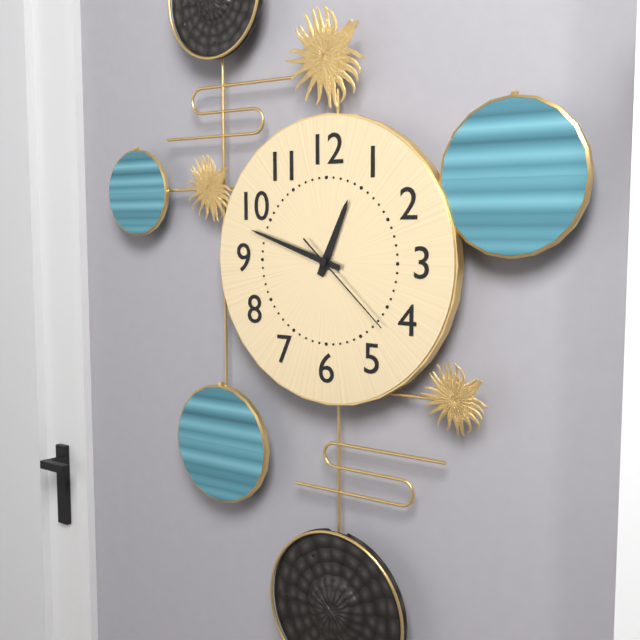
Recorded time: **12:48:22**
